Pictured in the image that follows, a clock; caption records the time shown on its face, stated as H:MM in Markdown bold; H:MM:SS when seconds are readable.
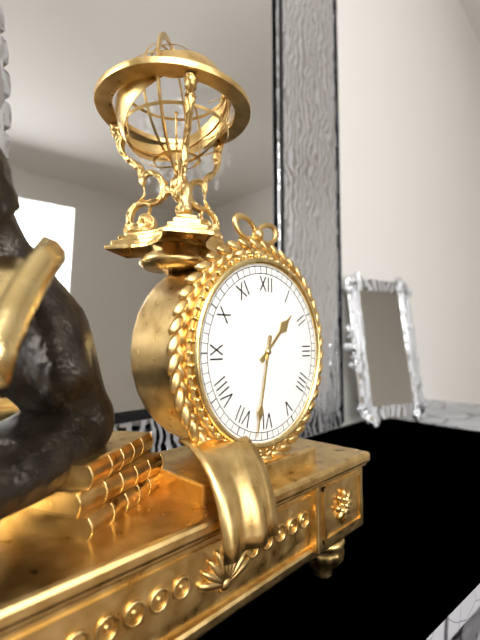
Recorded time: **1:32**
